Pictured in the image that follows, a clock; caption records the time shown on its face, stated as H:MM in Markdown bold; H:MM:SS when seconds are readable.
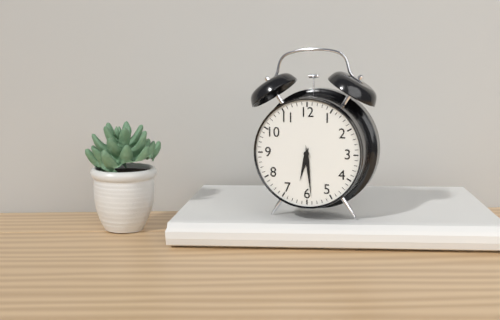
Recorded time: **6:29**
